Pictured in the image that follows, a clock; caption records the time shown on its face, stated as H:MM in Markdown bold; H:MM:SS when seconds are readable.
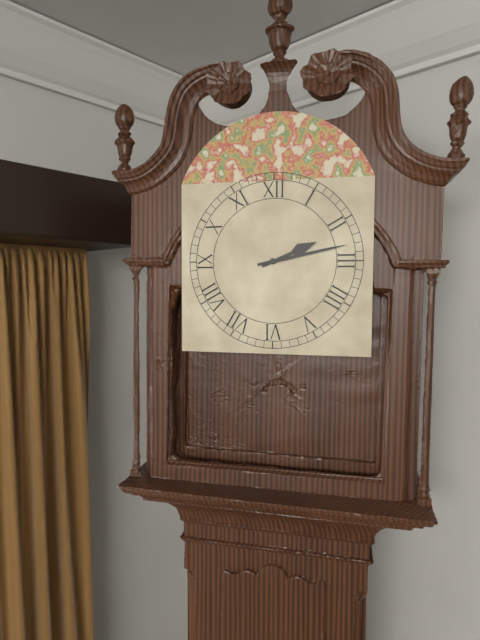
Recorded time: **2:13**
